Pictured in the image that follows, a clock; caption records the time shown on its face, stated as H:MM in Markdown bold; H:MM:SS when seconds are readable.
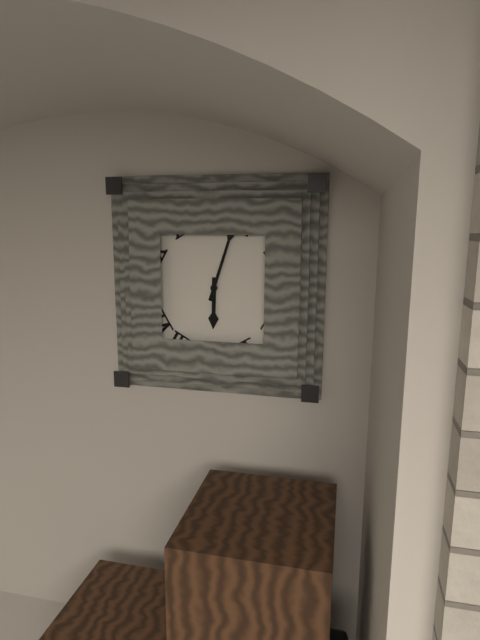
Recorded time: **6:03**
